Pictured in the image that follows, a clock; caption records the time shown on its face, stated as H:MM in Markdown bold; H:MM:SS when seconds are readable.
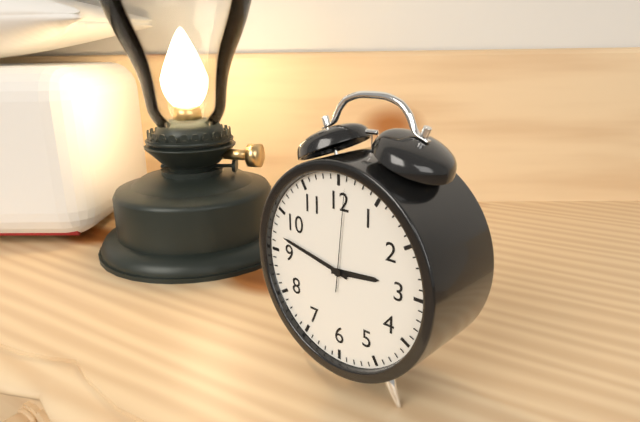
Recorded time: **2:47:01**
